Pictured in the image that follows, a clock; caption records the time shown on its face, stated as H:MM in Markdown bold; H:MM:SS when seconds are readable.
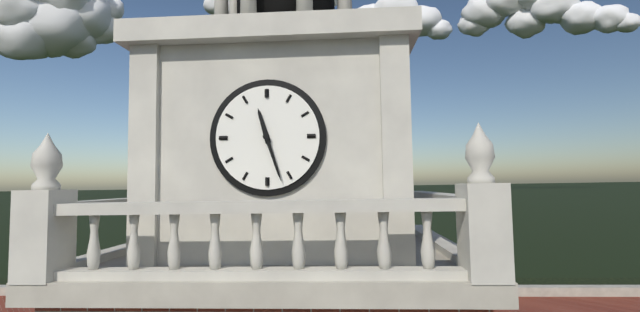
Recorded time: **11:27**
